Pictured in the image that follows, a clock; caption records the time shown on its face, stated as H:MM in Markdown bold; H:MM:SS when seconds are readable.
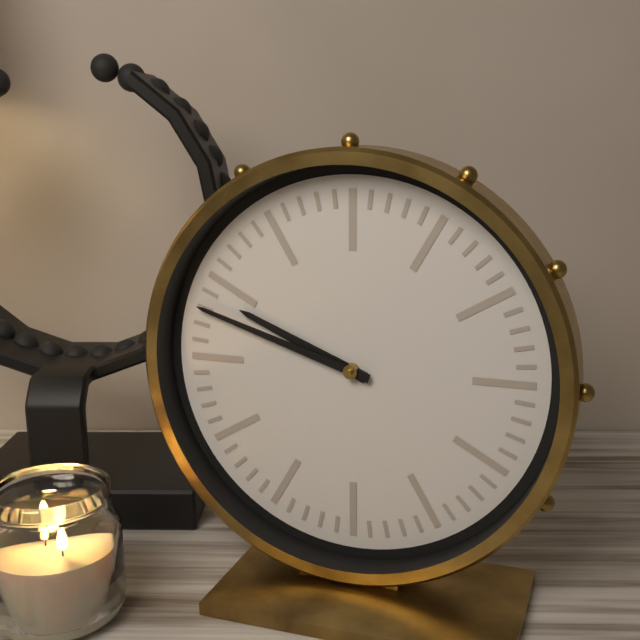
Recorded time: **9:48**
